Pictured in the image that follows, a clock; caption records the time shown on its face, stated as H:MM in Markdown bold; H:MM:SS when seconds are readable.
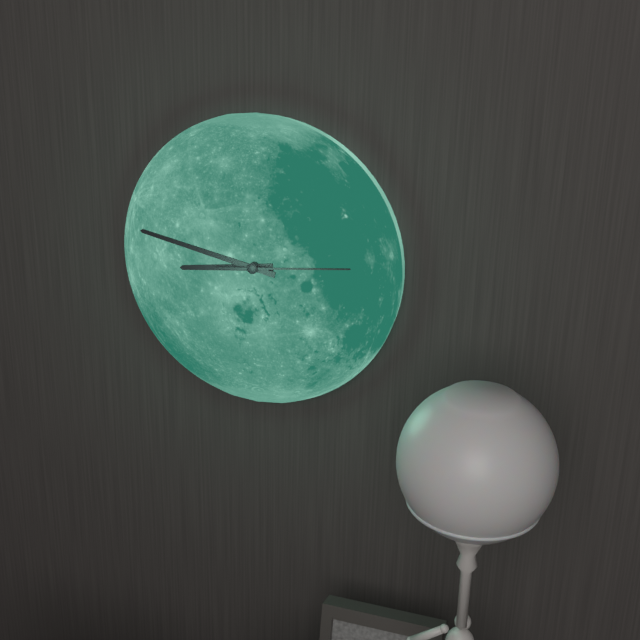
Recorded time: **8:47:14**
